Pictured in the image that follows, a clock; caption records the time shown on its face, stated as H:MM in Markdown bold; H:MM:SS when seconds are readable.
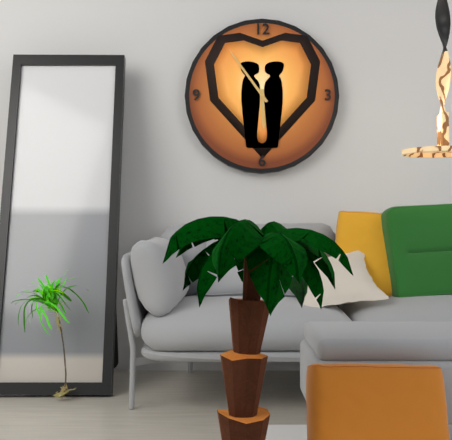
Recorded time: **5:54**
